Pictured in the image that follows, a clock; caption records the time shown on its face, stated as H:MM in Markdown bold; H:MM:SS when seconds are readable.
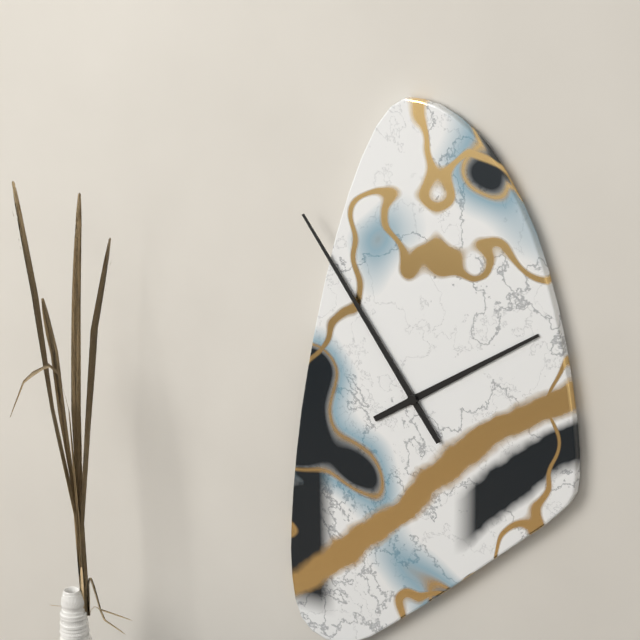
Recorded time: **1:54**
